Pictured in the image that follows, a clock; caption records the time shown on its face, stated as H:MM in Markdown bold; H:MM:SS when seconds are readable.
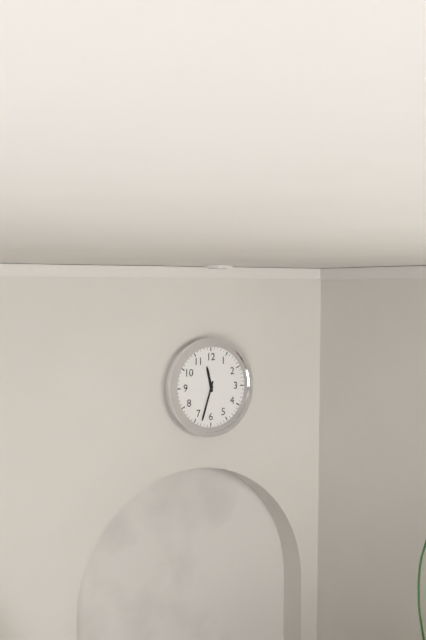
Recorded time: **11:33**
